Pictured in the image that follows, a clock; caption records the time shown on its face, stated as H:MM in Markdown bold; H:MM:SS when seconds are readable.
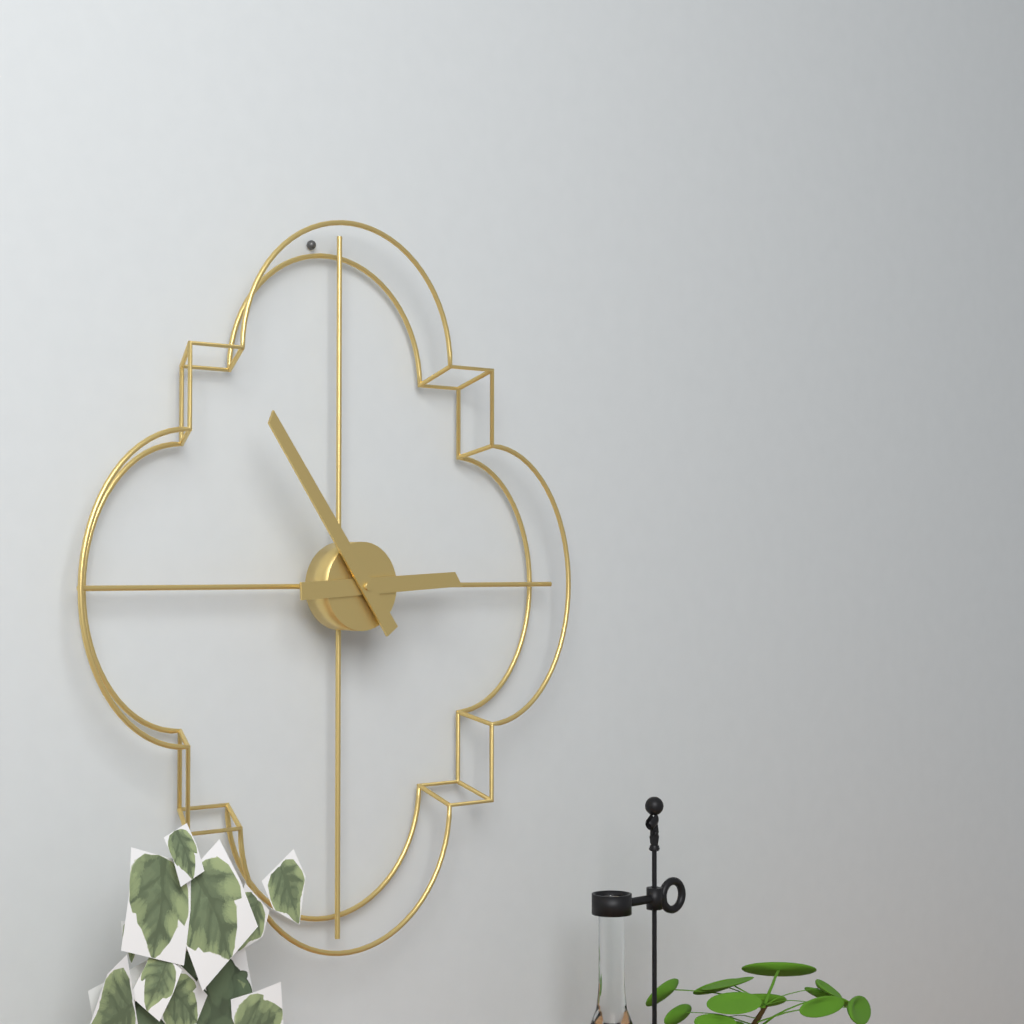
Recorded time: **2:54**
